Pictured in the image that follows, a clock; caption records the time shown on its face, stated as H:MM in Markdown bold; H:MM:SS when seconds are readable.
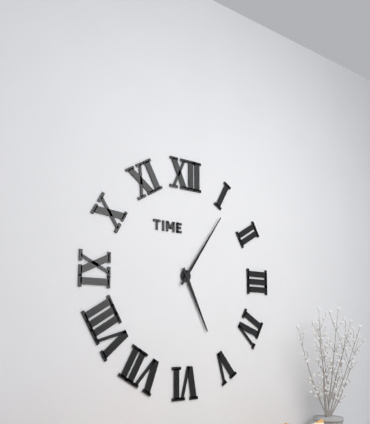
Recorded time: **5:06**
